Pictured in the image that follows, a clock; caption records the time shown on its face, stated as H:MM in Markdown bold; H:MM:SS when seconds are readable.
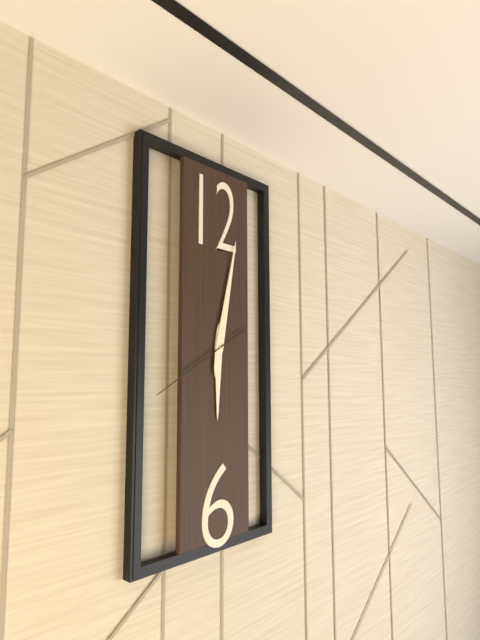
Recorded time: **6:02:40**
